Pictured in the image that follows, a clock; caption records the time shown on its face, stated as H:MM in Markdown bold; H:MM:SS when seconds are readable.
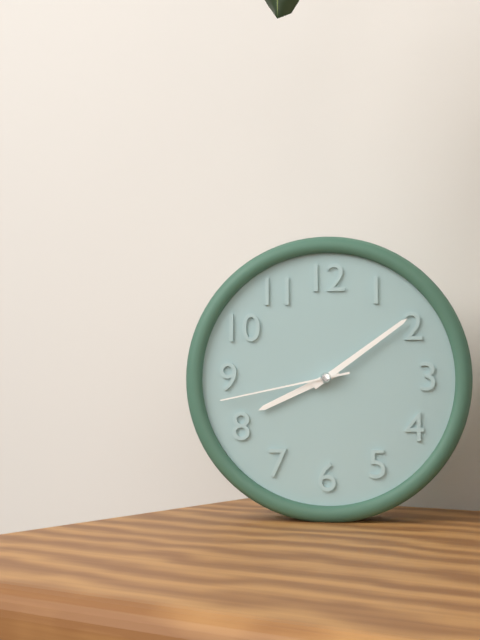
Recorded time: **8:09:43**
